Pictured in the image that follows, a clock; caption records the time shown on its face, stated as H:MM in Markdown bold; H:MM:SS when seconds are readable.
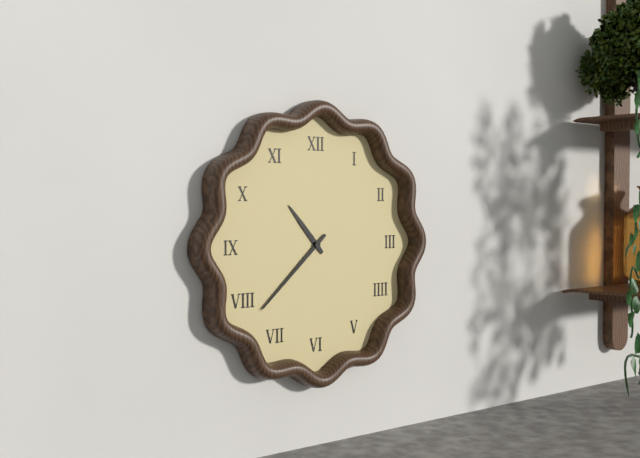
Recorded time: **10:38**
